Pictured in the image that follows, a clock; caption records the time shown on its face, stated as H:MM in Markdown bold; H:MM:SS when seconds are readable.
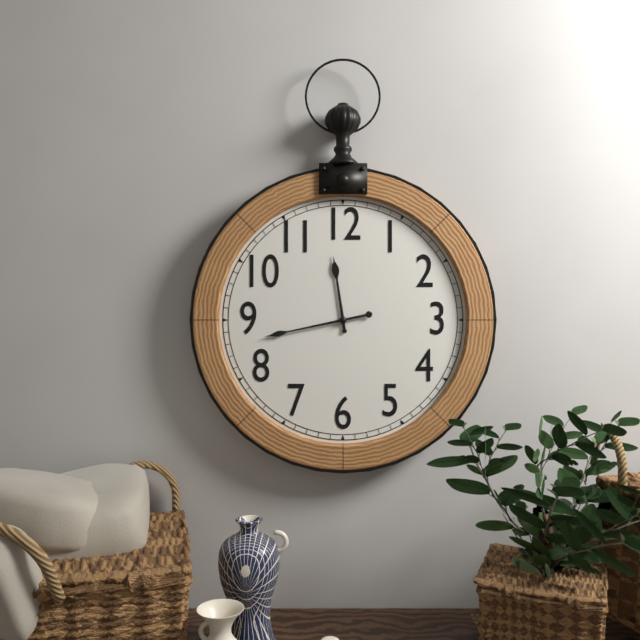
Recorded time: **11:43**
